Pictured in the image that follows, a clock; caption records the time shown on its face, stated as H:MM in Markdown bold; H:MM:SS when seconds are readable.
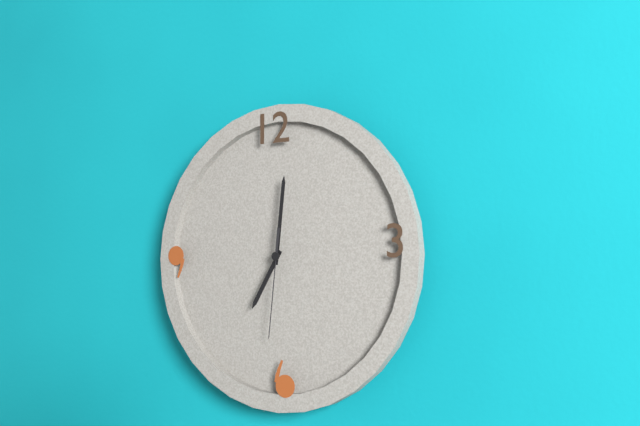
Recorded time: **7:01:31**
